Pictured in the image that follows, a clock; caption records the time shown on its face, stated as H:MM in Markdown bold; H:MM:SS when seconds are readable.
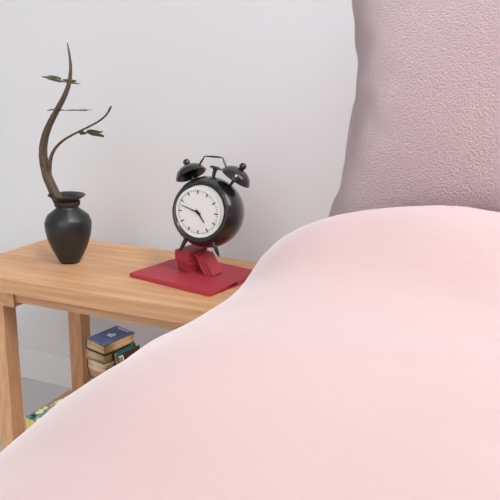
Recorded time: **4:48**
